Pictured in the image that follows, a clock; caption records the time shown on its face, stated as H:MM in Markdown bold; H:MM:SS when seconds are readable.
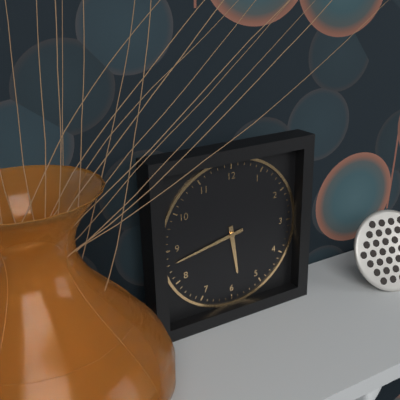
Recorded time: **5:43**
